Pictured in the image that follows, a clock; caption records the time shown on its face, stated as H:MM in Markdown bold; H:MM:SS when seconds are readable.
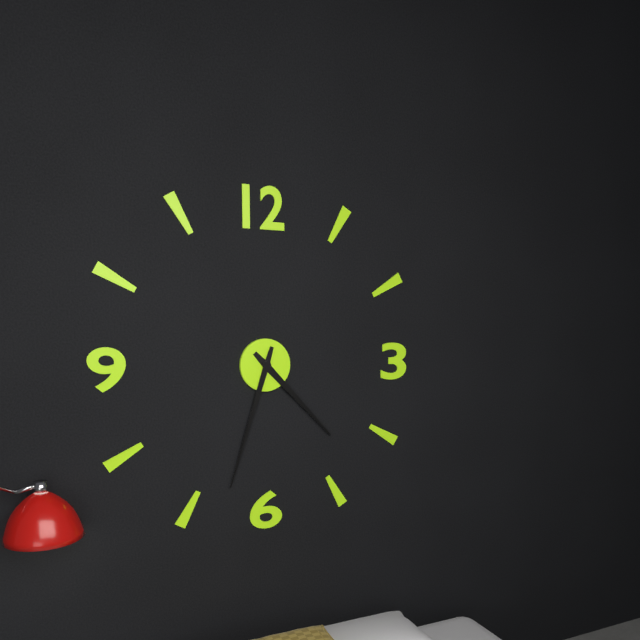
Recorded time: **4:33**
